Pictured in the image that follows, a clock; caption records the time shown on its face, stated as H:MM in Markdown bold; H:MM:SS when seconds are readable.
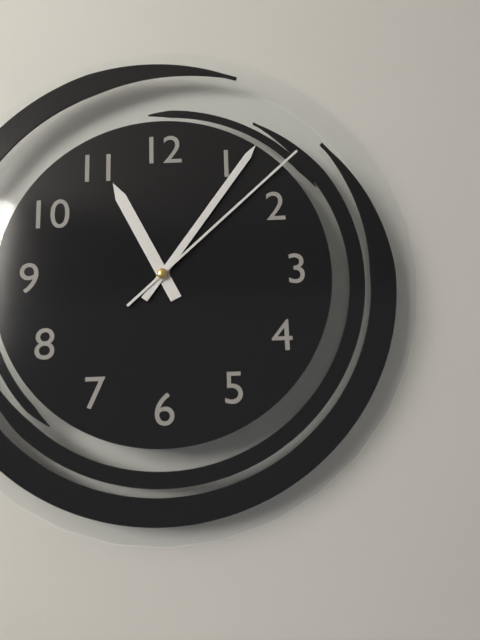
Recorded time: **11:06:08**
